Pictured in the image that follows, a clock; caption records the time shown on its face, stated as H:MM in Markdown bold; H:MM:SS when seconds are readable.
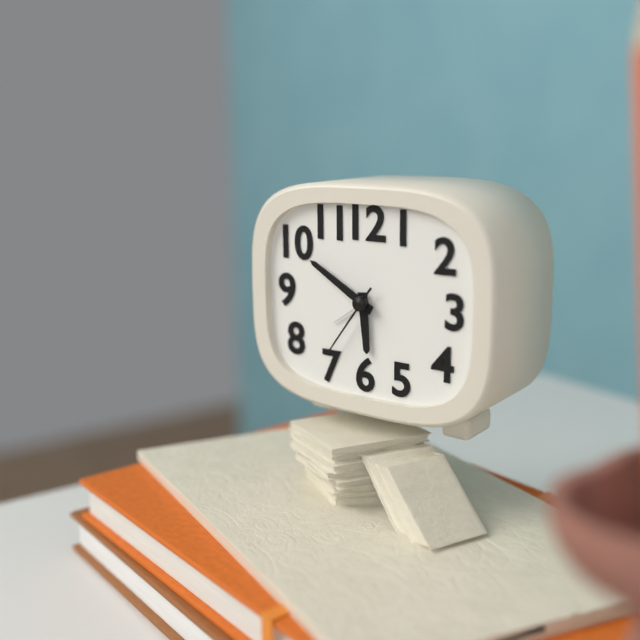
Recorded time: **5:50:36**
